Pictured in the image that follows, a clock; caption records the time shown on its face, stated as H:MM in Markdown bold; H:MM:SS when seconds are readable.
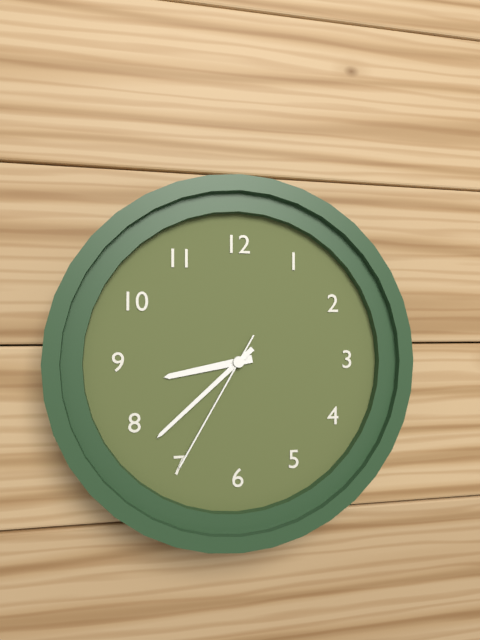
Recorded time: **8:38:35**
